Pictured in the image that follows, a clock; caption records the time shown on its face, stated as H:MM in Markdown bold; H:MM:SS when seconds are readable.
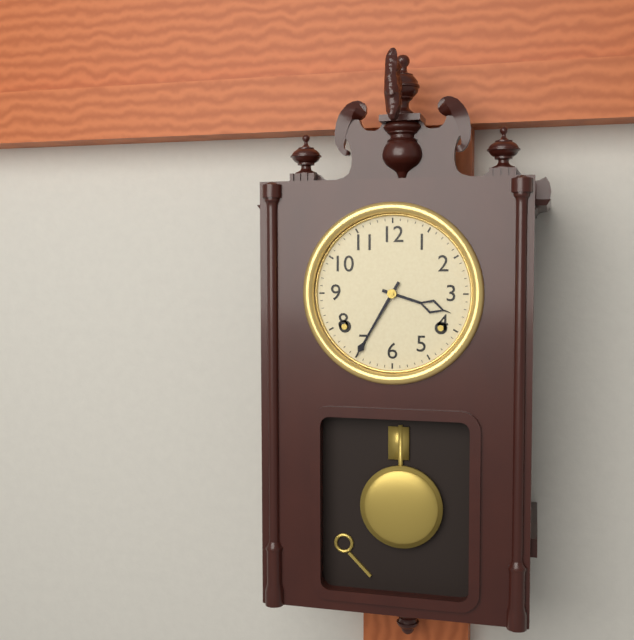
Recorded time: **3:35**
